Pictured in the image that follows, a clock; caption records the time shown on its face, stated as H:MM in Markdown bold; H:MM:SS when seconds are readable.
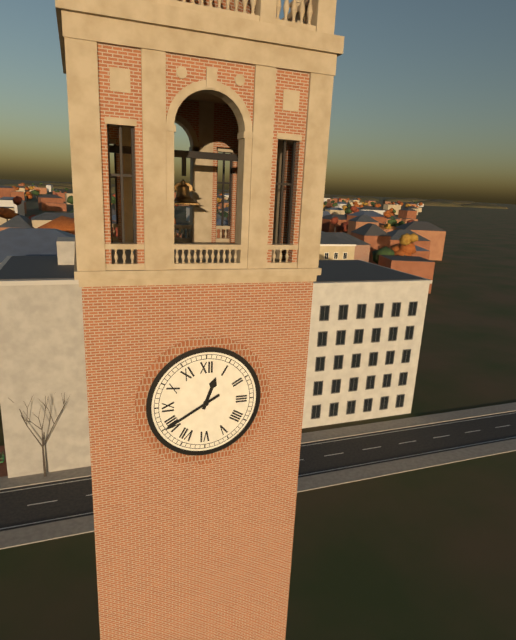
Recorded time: **12:40**
